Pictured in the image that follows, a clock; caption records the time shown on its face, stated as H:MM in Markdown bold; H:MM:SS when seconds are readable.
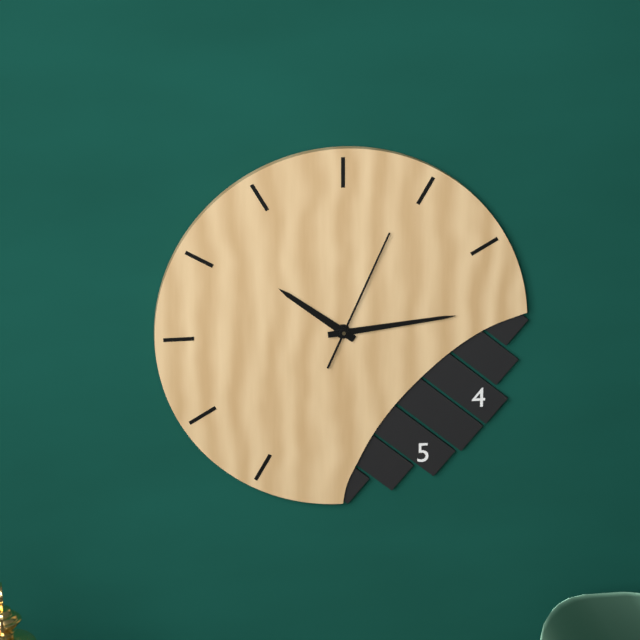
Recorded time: **10:14:04**
